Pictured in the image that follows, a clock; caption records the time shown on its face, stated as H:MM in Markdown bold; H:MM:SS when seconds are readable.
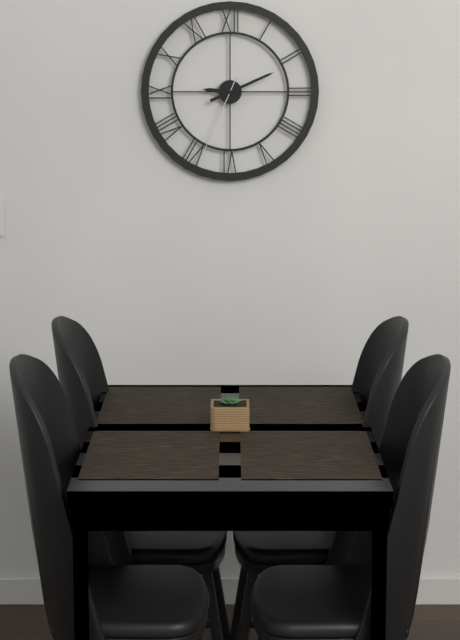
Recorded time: **9:11:34**
